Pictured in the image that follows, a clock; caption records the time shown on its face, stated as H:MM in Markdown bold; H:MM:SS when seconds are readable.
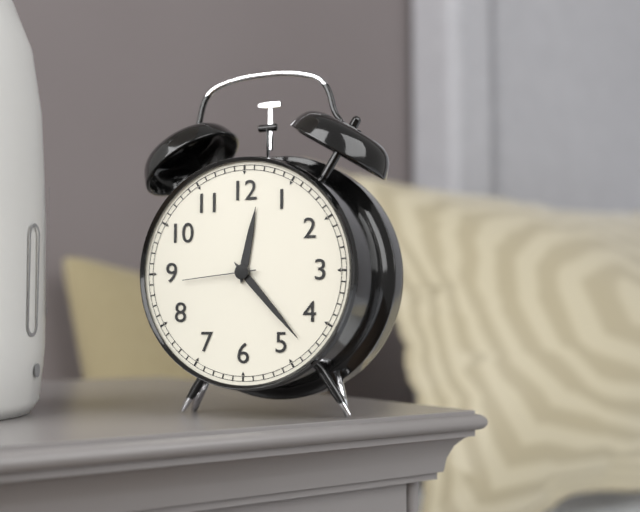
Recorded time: **12:23:44**
